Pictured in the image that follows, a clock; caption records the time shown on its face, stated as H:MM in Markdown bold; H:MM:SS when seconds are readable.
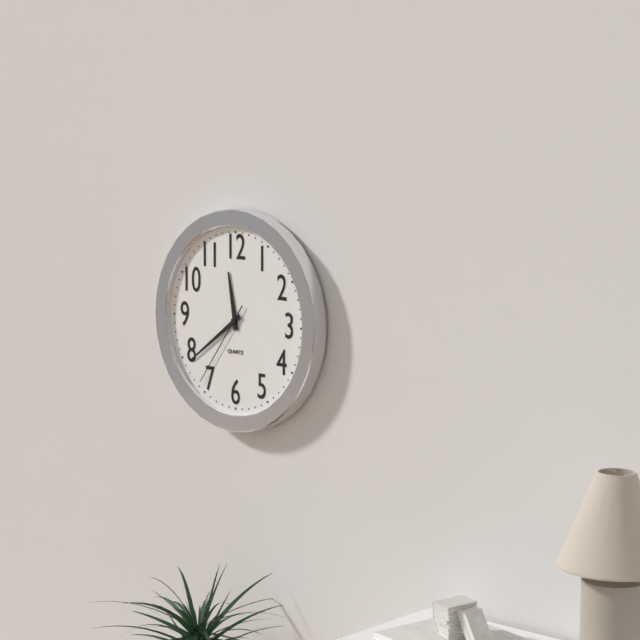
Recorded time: **11:39:36**
